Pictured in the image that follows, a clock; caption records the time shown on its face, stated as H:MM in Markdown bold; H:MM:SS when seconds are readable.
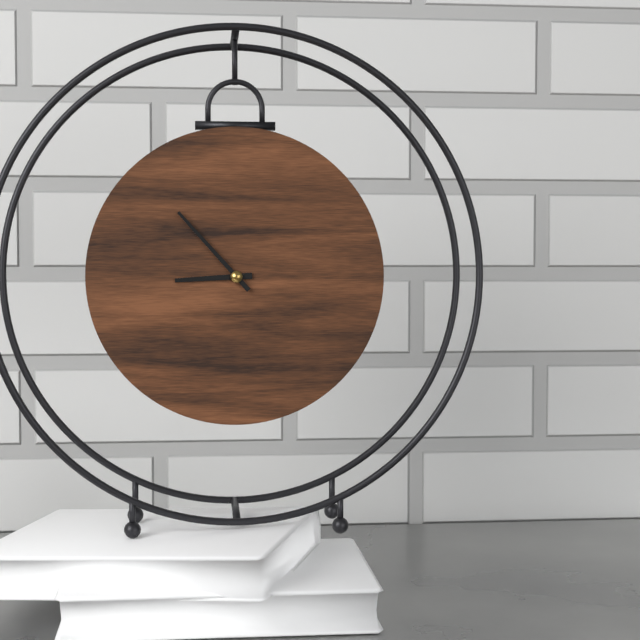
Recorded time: **8:53**
